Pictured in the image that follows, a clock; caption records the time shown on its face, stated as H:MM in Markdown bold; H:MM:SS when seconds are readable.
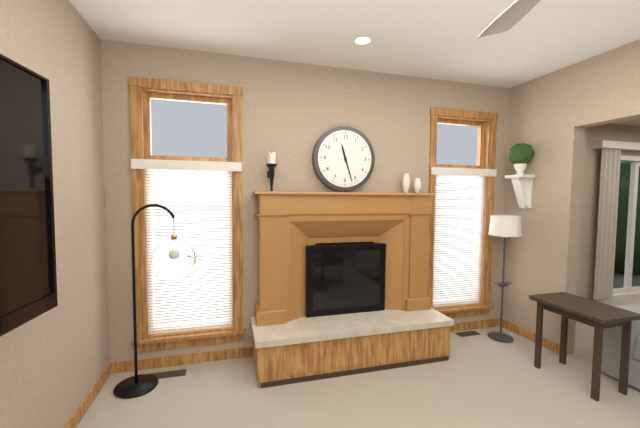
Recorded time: **11:27**
